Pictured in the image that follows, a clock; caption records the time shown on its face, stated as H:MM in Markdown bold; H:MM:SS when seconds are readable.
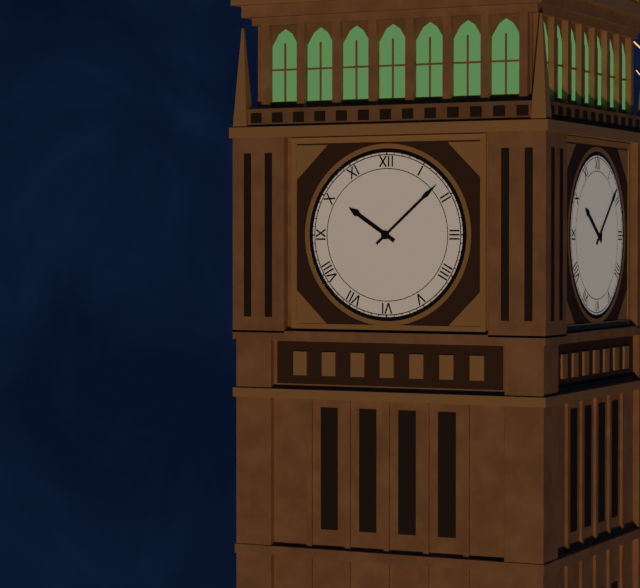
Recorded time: **10:08**
